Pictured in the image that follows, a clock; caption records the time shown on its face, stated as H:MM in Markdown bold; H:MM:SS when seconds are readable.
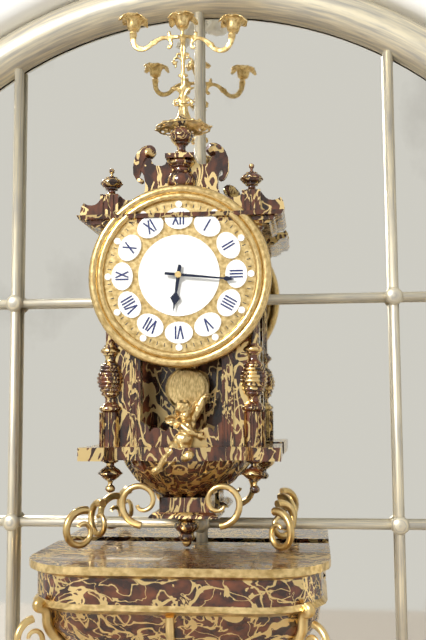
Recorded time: **6:16**
